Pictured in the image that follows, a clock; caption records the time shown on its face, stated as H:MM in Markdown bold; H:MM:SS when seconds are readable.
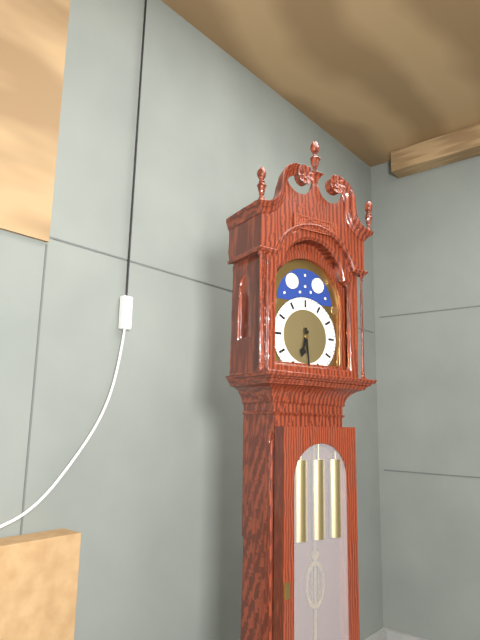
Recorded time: **6:29**
